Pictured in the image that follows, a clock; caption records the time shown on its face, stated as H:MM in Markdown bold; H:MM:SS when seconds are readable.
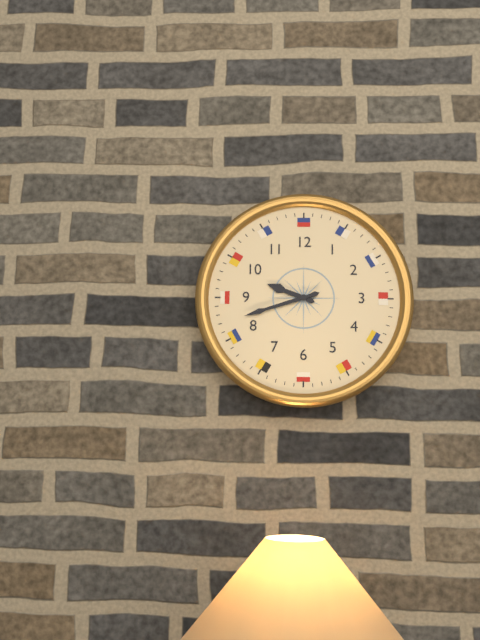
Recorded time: **9:42**
